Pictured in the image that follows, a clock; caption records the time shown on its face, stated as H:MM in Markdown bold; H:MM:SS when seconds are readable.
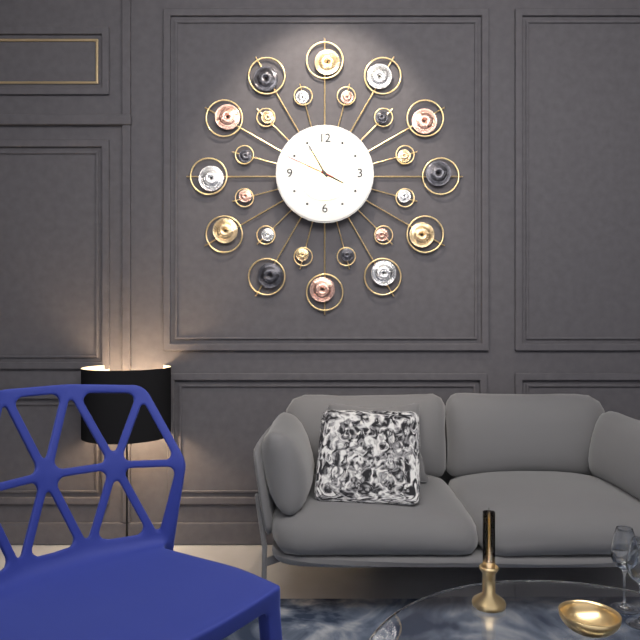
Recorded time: **3:55:49**
